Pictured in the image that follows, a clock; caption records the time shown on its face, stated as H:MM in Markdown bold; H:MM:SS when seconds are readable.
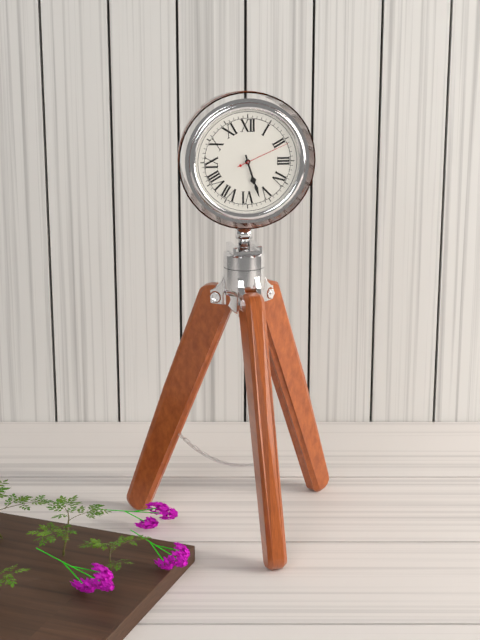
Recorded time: **5:27:11**
